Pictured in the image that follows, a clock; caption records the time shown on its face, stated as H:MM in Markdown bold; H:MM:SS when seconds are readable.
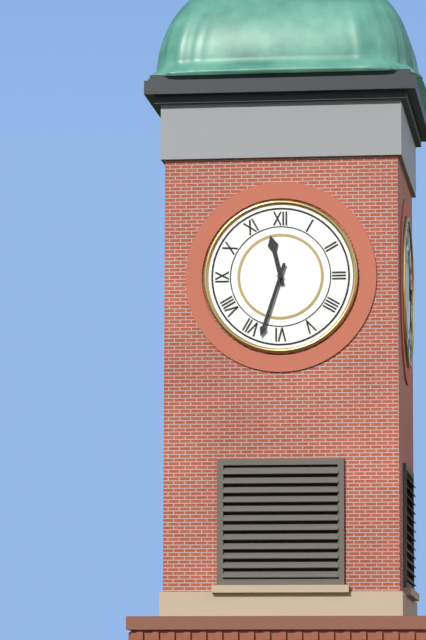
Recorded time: **11:33**
